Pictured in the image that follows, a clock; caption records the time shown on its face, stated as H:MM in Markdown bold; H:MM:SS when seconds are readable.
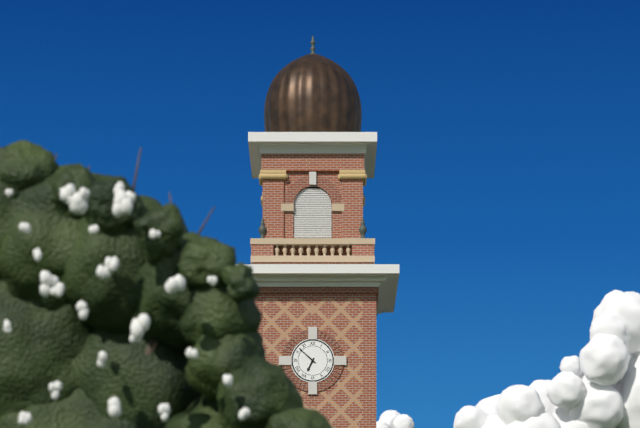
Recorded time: **6:52**
